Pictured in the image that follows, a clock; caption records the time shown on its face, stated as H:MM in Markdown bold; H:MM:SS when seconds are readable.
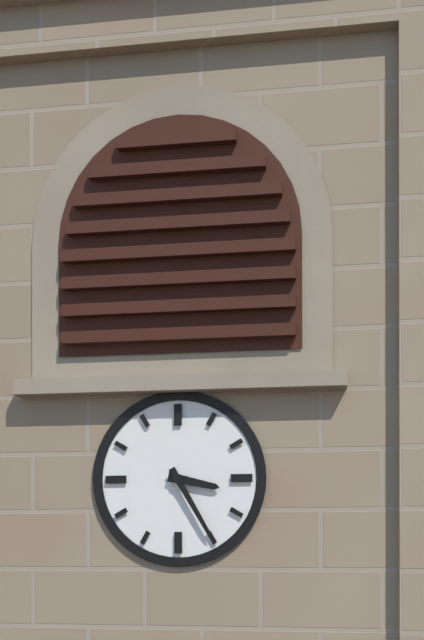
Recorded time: **3:25**
